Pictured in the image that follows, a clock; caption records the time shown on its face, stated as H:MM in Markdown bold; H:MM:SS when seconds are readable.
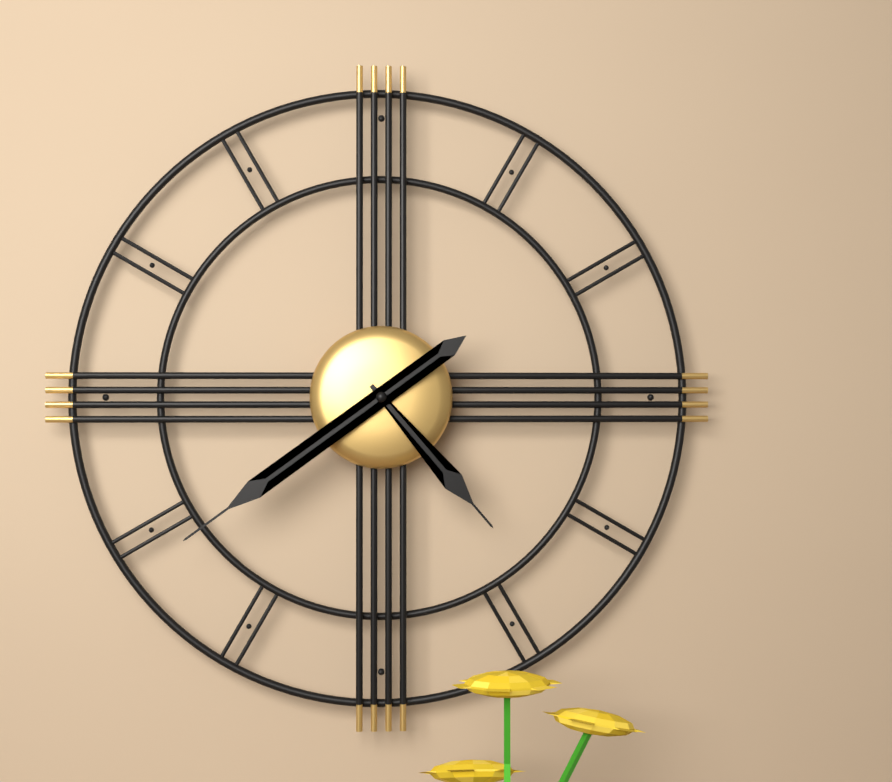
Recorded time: **4:39**
